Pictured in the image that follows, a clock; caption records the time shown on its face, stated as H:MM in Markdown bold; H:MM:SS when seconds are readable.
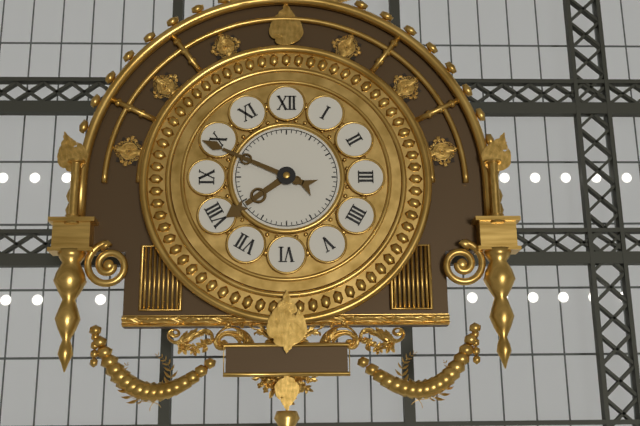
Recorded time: **7:49**
